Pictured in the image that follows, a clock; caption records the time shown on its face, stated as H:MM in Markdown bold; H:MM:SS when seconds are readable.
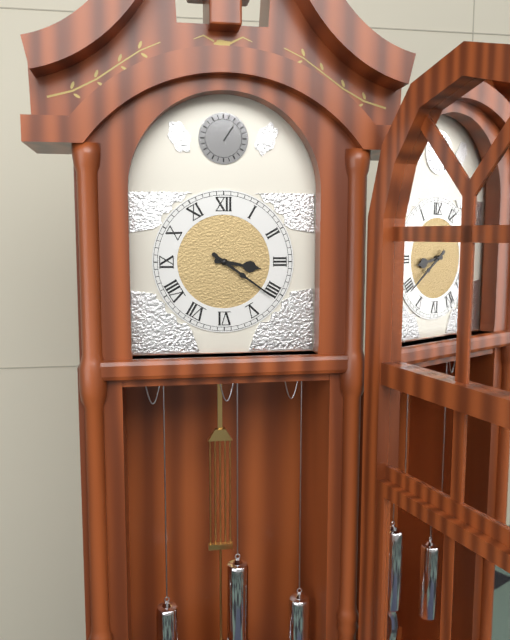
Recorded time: **3:21**
